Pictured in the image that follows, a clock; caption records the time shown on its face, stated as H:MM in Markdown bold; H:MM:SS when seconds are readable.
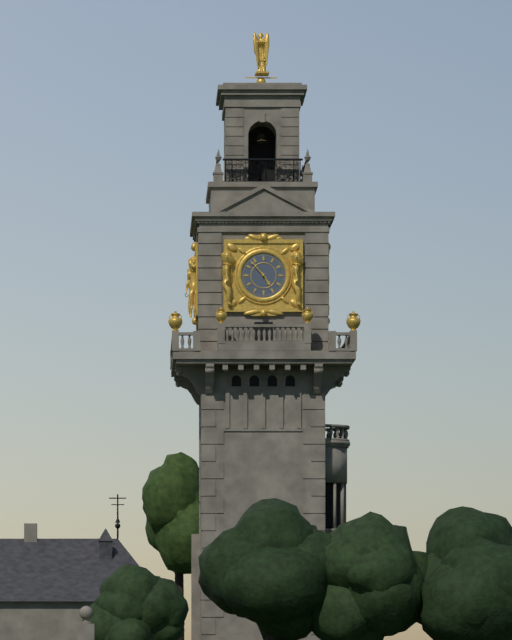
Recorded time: **4:53**
